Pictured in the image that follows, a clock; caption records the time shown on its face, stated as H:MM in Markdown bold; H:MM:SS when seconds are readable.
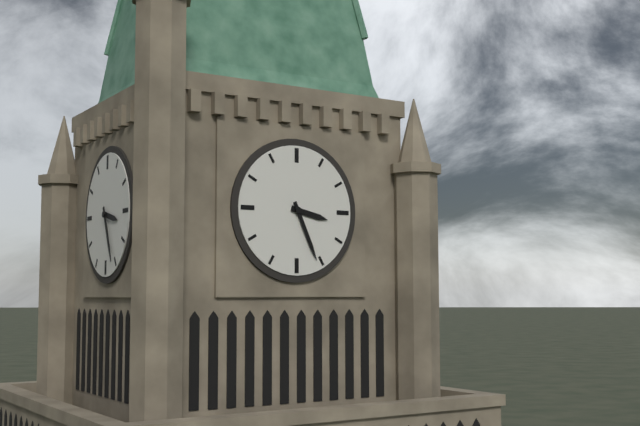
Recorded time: **3:26**
